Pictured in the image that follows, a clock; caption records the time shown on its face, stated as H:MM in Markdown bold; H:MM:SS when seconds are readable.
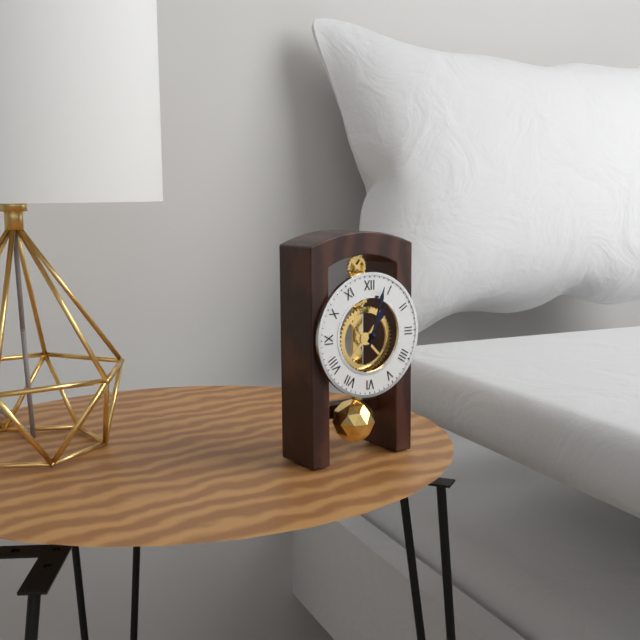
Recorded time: **1:03**
